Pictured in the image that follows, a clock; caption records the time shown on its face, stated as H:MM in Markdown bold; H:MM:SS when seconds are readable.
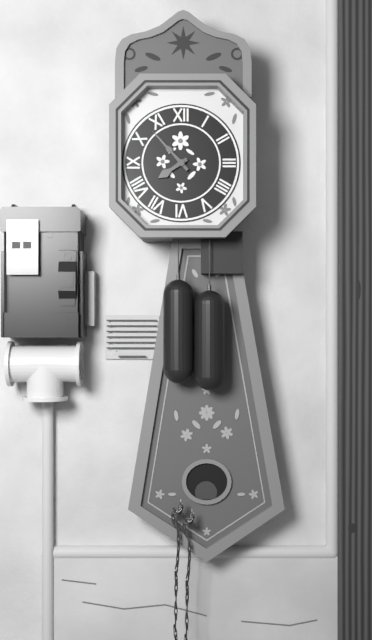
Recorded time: **7:53**
